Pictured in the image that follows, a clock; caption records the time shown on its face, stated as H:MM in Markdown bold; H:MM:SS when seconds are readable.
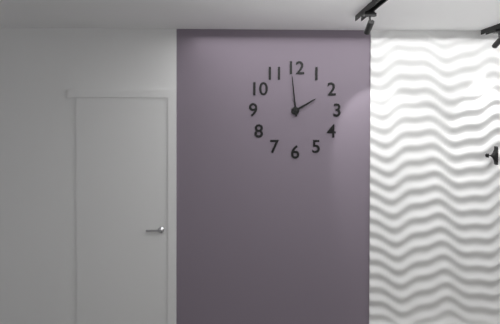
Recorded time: **1:59**
